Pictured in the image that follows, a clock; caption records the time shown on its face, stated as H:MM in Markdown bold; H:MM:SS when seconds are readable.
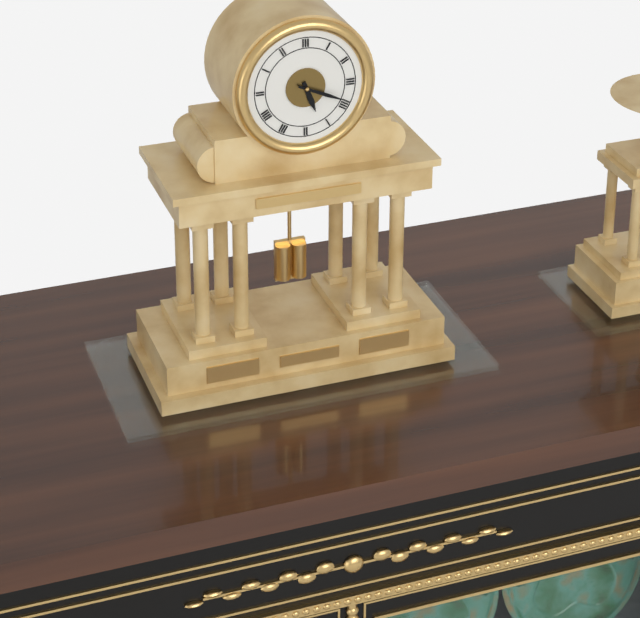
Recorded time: **5:19**
